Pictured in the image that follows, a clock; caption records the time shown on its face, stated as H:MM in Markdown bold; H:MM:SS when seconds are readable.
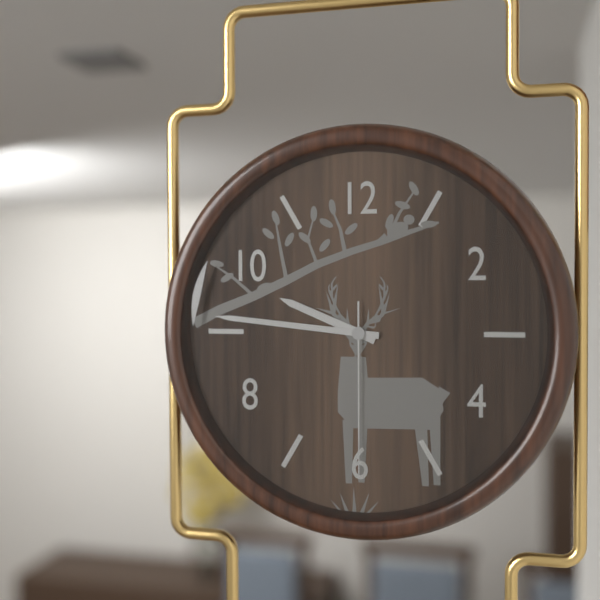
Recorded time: **9:46:30**
